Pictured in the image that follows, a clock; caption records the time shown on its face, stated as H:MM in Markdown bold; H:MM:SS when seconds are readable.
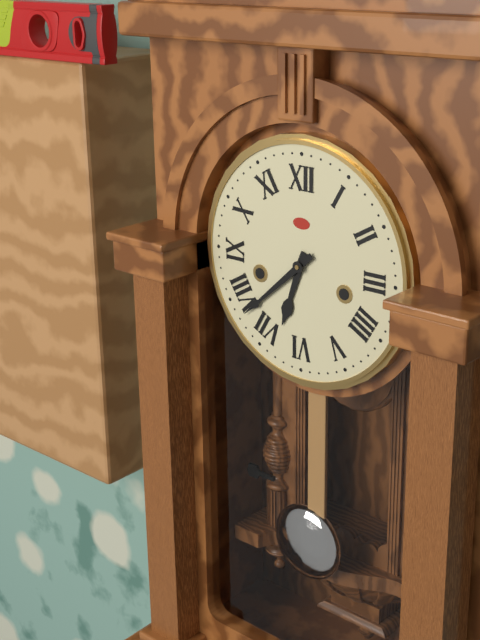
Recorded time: **6:38**
